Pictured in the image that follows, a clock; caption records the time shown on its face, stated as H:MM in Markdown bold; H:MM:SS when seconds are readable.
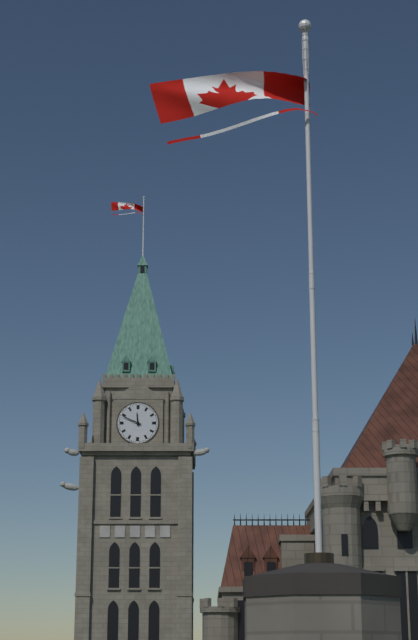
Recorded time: **11:49**
